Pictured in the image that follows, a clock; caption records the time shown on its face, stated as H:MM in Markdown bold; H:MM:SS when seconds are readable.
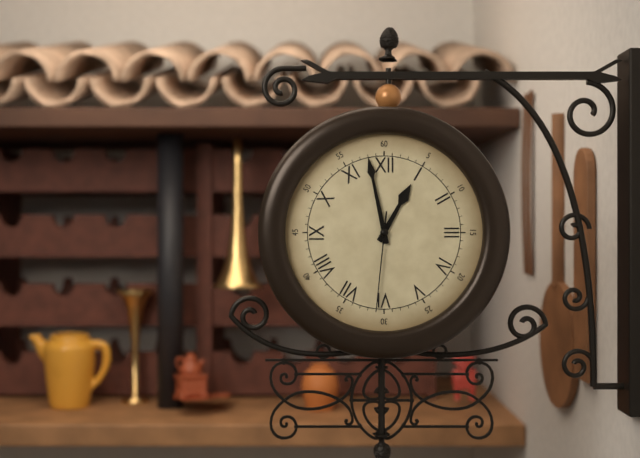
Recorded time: **12:58:31**
